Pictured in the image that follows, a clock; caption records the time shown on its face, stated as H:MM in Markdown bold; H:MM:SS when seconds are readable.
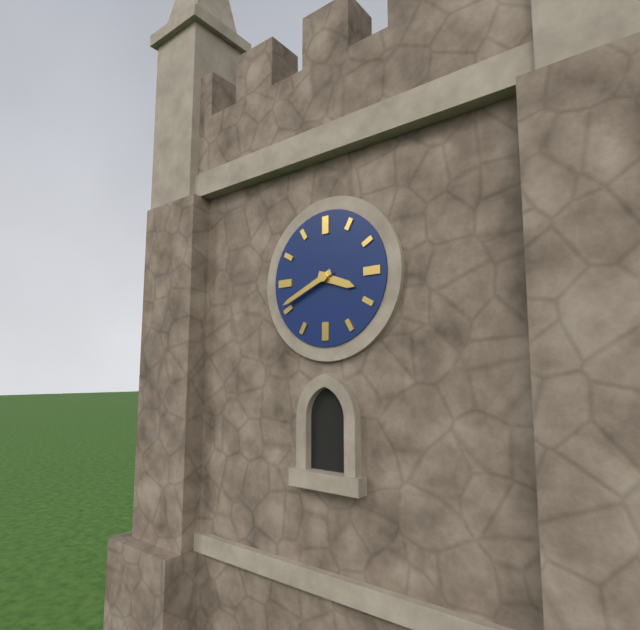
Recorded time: **3:41**
